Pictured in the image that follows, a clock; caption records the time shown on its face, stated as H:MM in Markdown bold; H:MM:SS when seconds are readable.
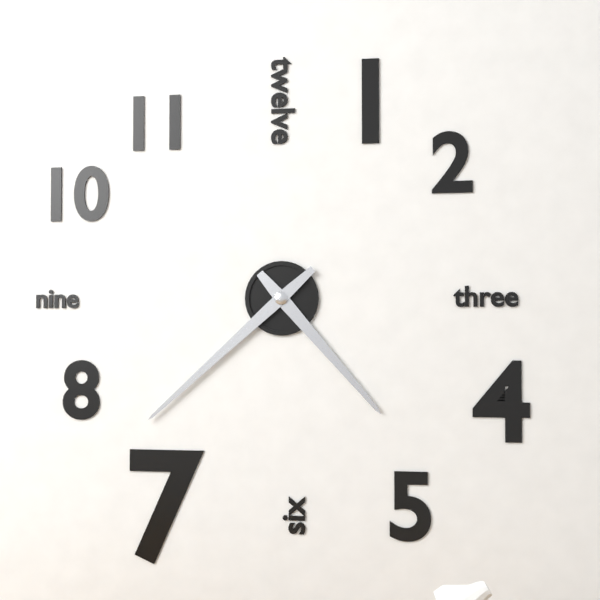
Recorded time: **4:38**
